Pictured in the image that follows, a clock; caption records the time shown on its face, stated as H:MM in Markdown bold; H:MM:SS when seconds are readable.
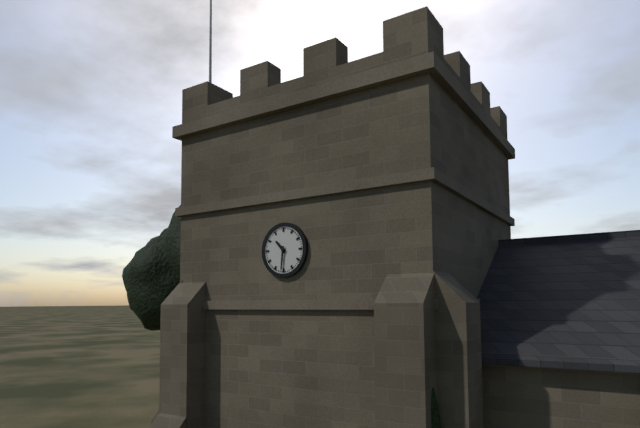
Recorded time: **10:31**
